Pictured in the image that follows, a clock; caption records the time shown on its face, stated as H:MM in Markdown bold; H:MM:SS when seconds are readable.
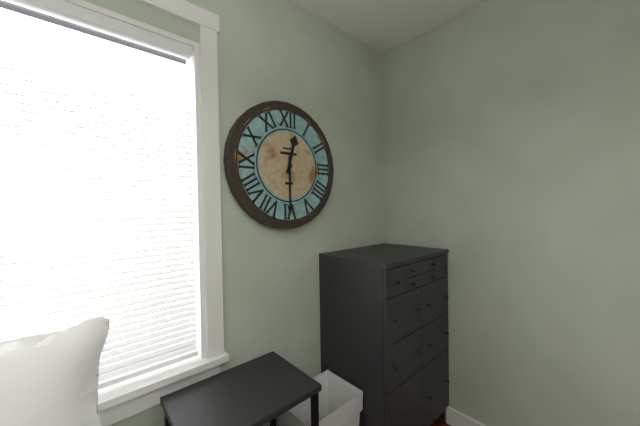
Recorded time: **12:30**
